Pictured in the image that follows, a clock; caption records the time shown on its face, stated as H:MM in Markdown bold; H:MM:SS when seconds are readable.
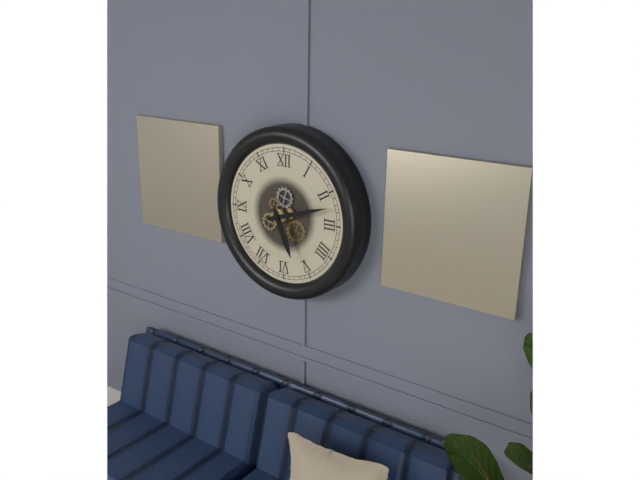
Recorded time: **5:12**
